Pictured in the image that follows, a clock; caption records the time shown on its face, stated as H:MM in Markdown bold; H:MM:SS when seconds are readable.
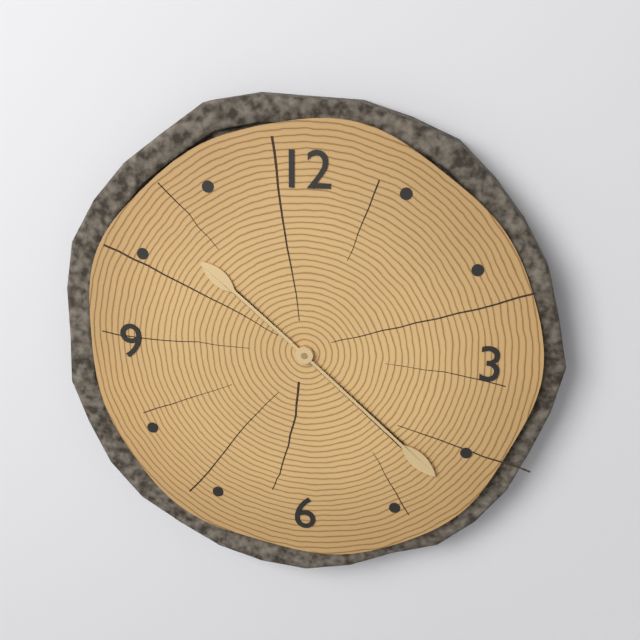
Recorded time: **10:22**
